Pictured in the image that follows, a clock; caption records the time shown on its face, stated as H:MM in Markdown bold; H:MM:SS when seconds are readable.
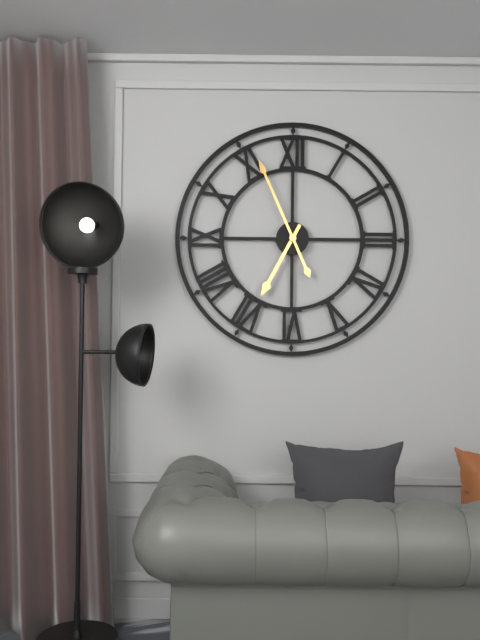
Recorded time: **6:56**
